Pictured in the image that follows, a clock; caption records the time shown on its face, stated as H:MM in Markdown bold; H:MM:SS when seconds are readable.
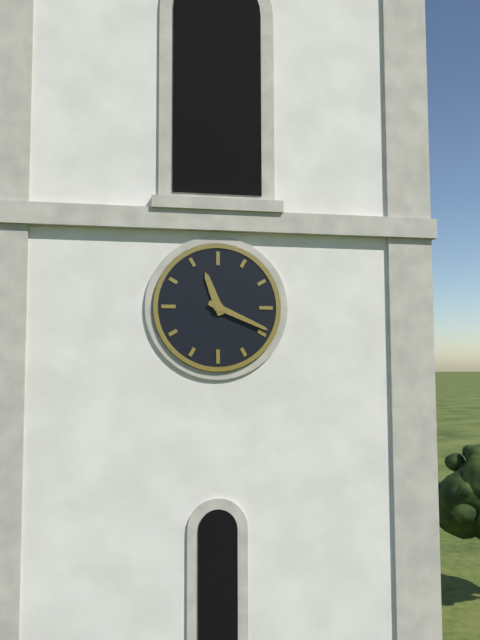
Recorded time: **11:19**
